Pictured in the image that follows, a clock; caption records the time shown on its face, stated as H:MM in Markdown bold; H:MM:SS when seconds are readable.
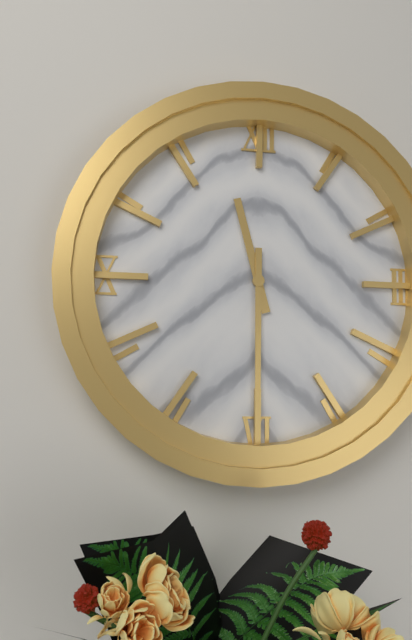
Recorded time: **11:30**
